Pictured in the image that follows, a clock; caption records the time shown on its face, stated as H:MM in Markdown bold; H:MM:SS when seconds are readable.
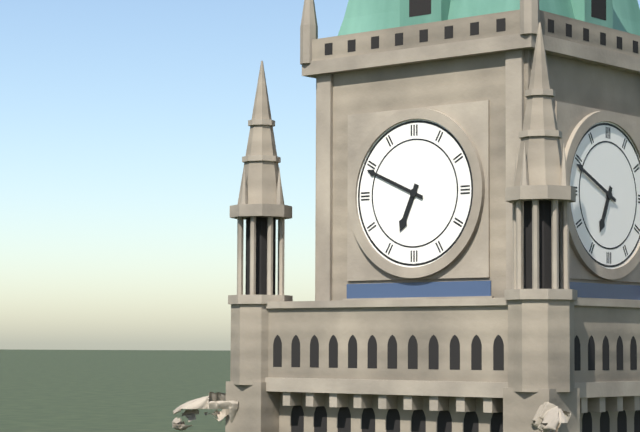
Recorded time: **6:49**
